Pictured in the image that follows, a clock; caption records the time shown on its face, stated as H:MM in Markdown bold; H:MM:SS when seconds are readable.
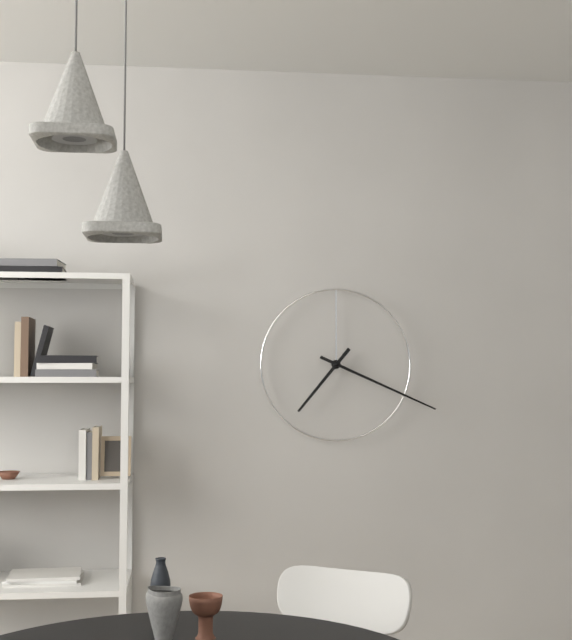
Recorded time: **7:19**
